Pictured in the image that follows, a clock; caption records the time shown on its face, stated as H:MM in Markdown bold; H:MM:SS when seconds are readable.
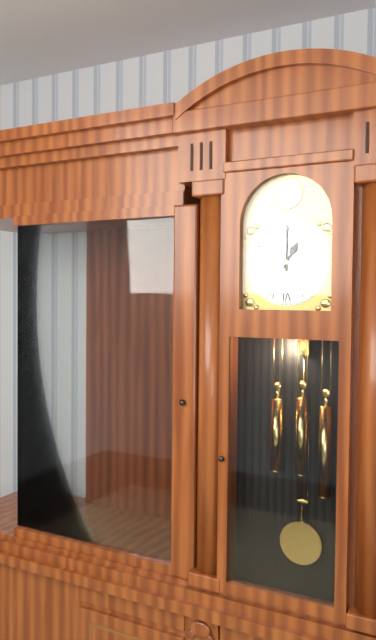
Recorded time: **1:00**
